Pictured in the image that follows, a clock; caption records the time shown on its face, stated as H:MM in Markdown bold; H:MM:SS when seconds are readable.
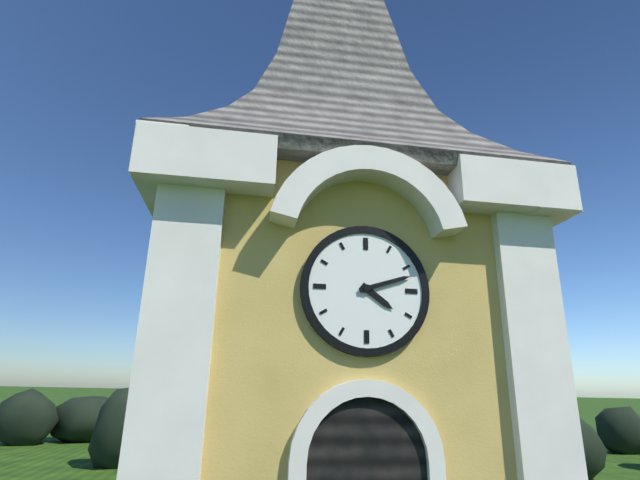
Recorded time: **4:12**
